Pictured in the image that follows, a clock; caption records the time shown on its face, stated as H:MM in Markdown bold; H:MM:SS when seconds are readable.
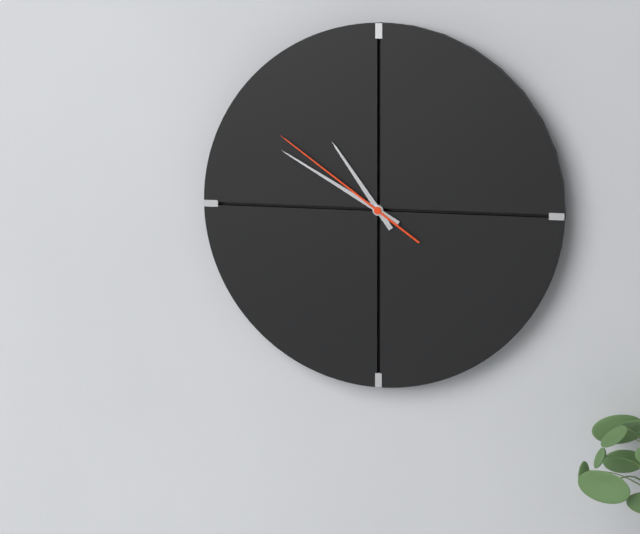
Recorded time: **10:50:51**
